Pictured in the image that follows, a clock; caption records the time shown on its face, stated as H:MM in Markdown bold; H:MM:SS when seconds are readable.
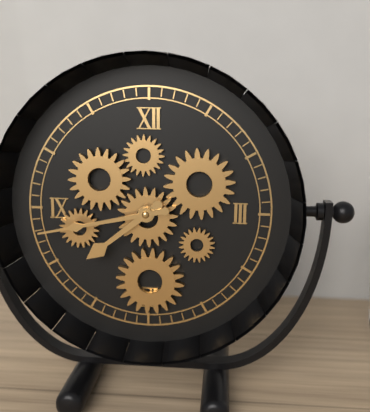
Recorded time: **7:43**
